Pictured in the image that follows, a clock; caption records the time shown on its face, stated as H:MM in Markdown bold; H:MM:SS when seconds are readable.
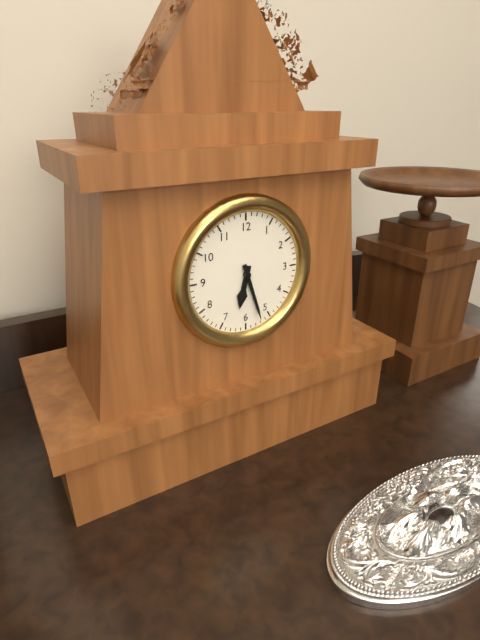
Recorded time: **6:27**
